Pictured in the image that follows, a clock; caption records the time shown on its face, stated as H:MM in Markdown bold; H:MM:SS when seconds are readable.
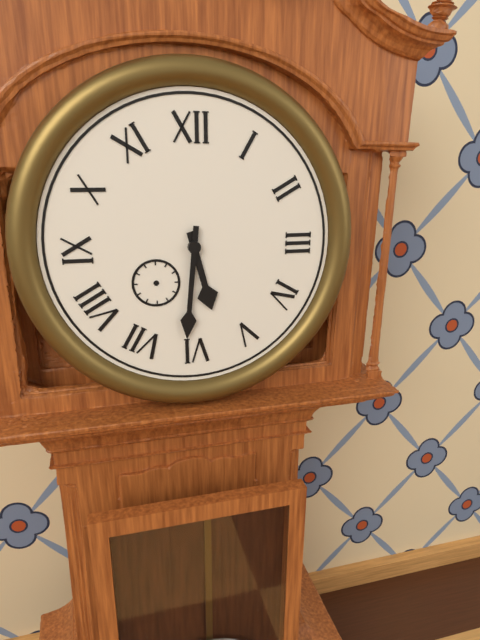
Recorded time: **5:31**
